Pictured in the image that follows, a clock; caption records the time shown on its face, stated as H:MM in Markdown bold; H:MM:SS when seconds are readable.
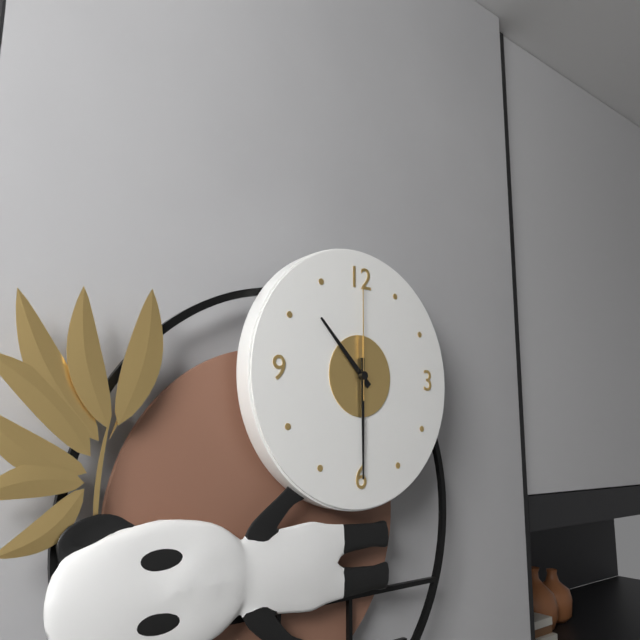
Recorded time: **10:30:00**
